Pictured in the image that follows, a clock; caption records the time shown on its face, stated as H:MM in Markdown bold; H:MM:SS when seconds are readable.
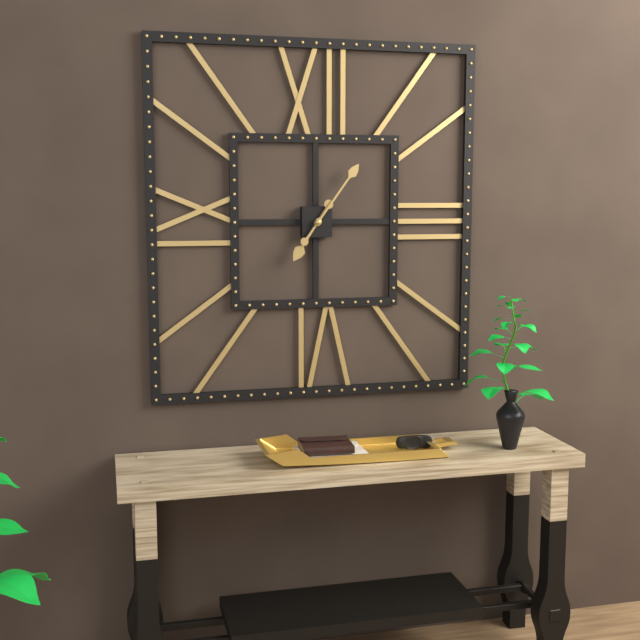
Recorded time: **7:06**
